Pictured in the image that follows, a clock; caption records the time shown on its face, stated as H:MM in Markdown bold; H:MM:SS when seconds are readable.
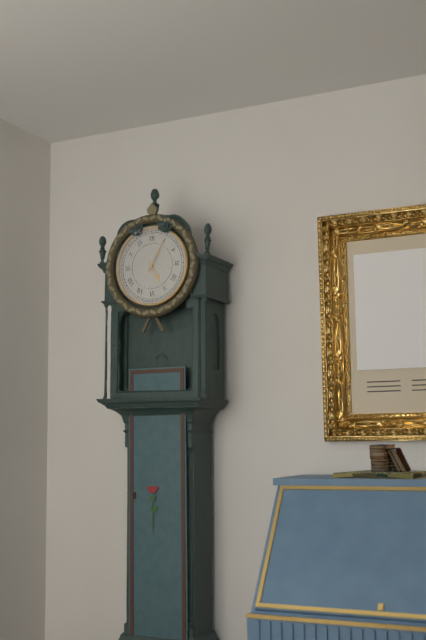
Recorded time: **5:05**
